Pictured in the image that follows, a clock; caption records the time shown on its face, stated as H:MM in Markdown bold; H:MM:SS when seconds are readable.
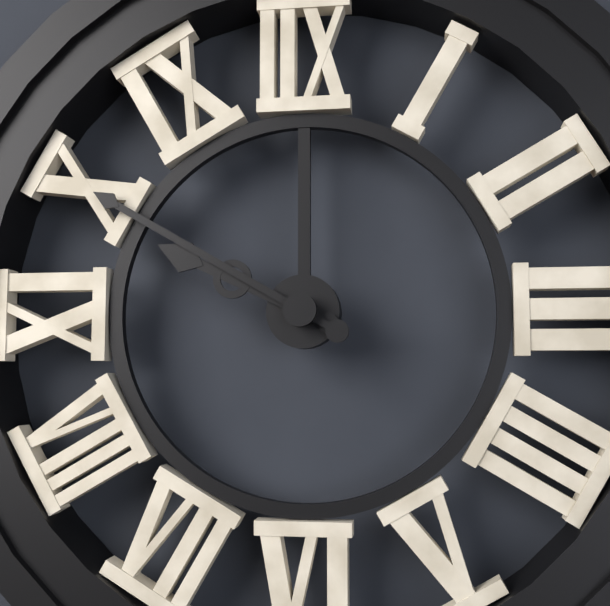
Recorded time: **9:50**
